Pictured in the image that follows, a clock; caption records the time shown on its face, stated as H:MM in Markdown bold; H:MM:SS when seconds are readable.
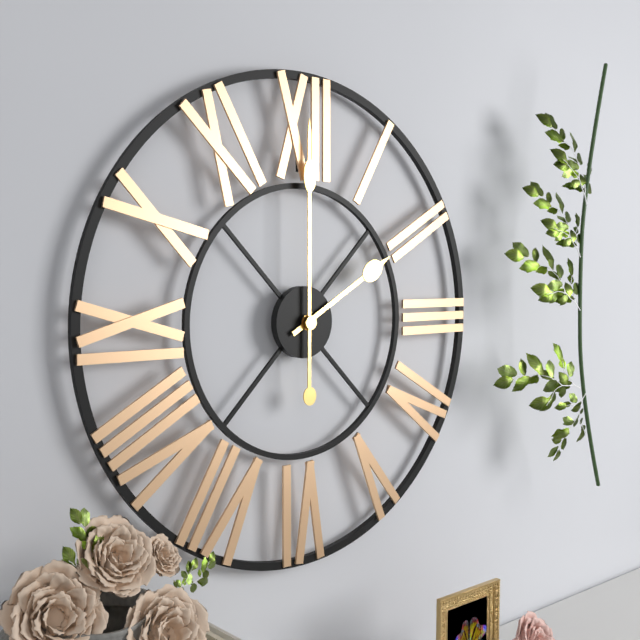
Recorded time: **2:00**
